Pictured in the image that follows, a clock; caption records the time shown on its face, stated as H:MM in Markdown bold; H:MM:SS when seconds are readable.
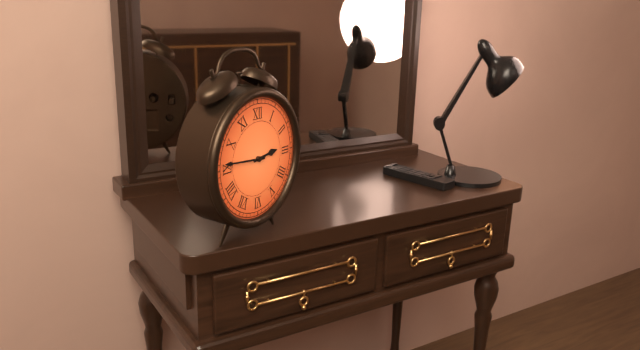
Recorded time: **2:46**
